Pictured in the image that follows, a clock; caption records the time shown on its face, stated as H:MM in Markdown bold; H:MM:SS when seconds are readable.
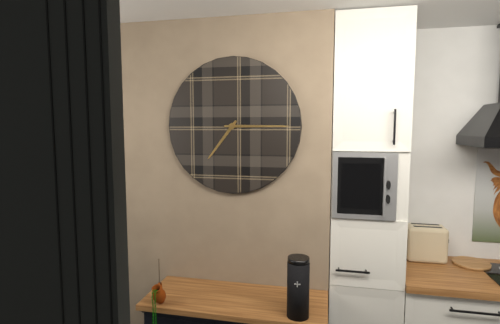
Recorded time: **7:15**
